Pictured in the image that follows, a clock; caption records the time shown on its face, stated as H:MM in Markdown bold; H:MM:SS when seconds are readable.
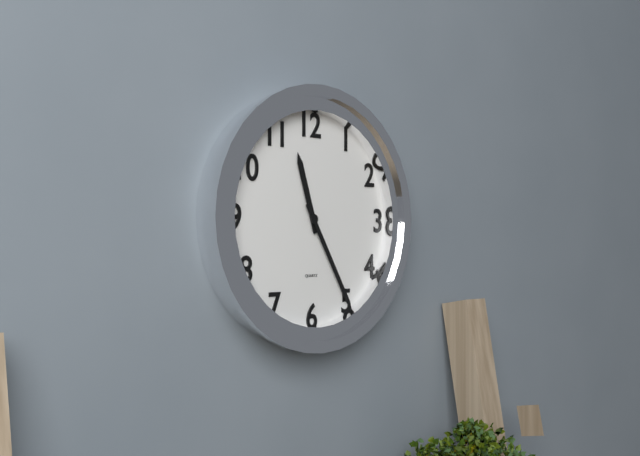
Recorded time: **11:25**
